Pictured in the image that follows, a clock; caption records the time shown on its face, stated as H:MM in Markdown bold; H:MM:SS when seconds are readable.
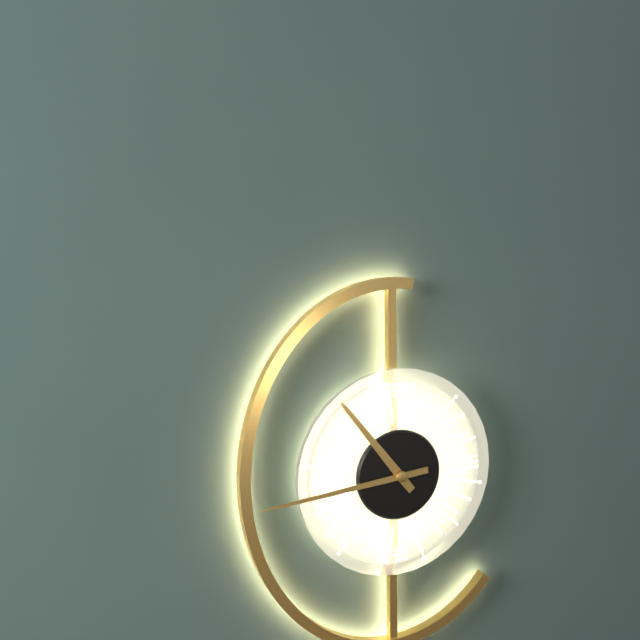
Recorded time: **10:44**
